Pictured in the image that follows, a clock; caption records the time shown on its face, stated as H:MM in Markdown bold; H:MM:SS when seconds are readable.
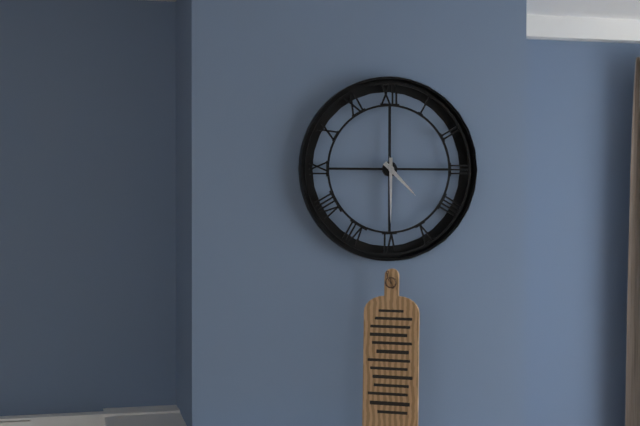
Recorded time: **4:30**
